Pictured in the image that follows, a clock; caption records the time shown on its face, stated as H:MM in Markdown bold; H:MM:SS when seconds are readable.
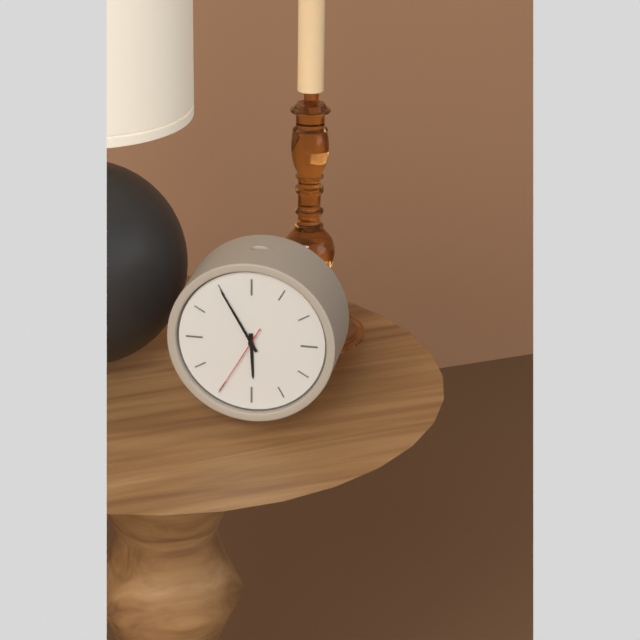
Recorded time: **5:55:35**
